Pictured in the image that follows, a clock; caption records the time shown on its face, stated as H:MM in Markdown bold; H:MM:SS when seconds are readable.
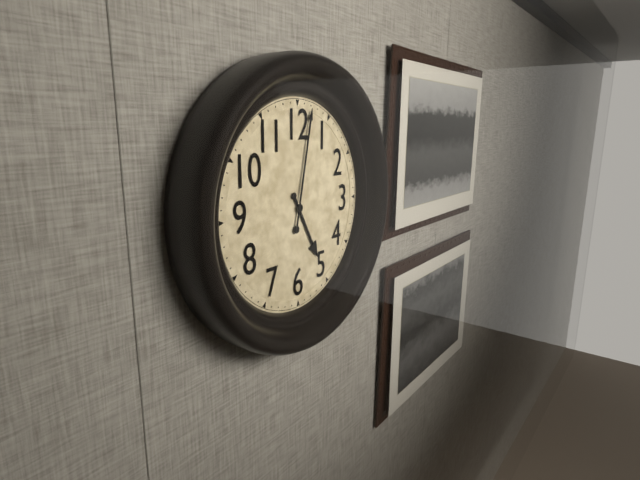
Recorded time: **5:02**
